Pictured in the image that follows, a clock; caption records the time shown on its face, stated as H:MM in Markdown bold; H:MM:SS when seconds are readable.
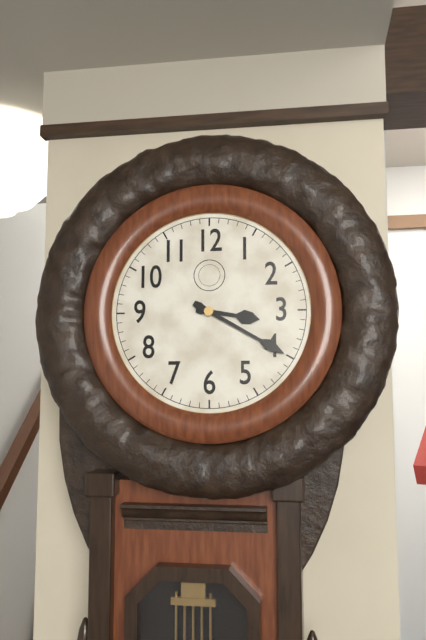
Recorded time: **3:20**
